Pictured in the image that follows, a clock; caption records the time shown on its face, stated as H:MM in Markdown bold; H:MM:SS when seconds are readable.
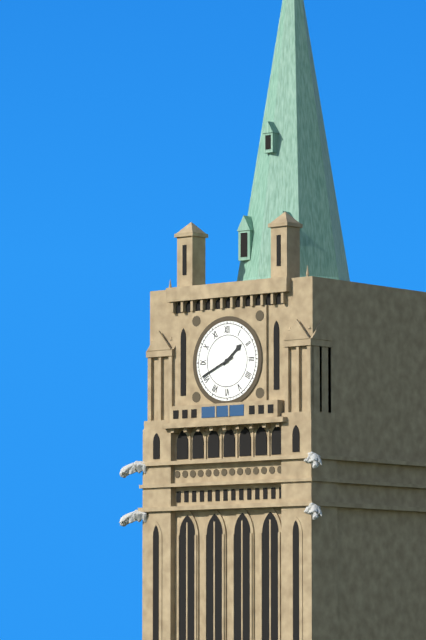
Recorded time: **1:41**
